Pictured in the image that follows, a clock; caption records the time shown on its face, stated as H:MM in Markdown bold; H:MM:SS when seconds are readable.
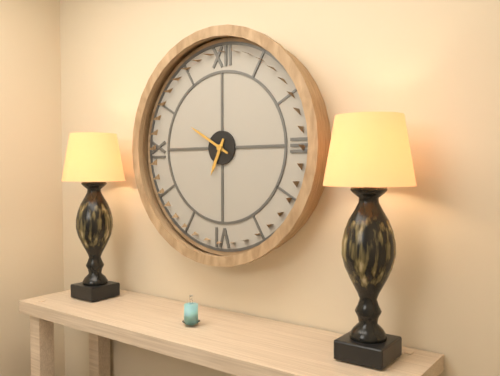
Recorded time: **6:50**
